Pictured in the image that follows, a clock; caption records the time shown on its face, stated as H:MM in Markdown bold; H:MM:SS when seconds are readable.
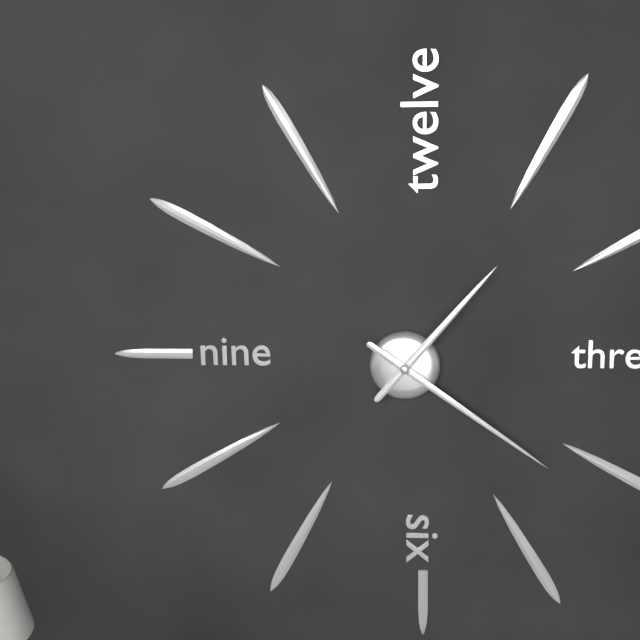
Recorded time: **1:21**
